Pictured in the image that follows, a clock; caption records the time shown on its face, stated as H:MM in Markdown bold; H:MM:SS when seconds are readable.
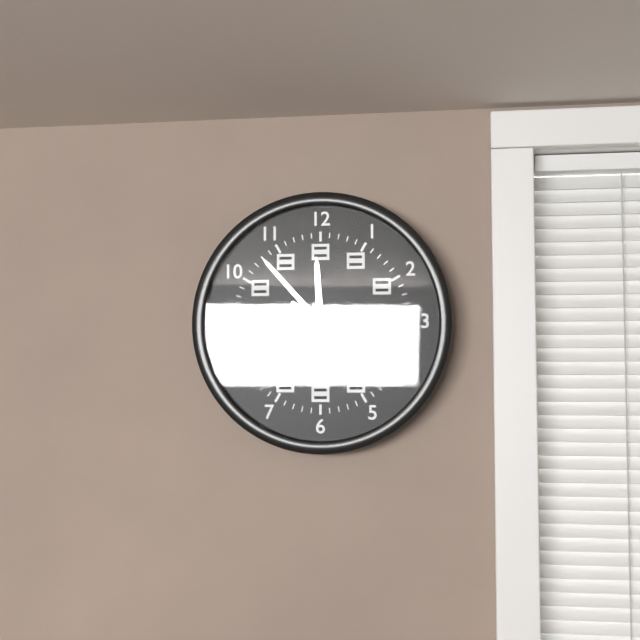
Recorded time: **11:53:21**
